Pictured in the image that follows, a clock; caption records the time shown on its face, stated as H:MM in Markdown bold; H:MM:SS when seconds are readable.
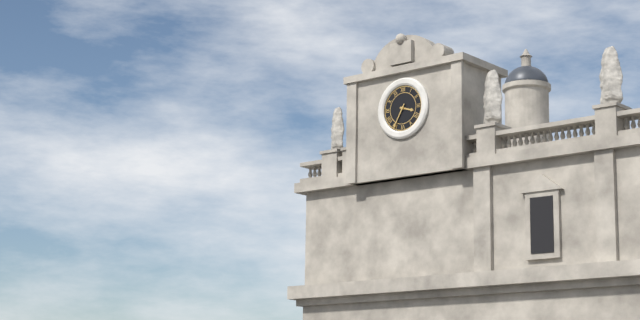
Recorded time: **3:35**
